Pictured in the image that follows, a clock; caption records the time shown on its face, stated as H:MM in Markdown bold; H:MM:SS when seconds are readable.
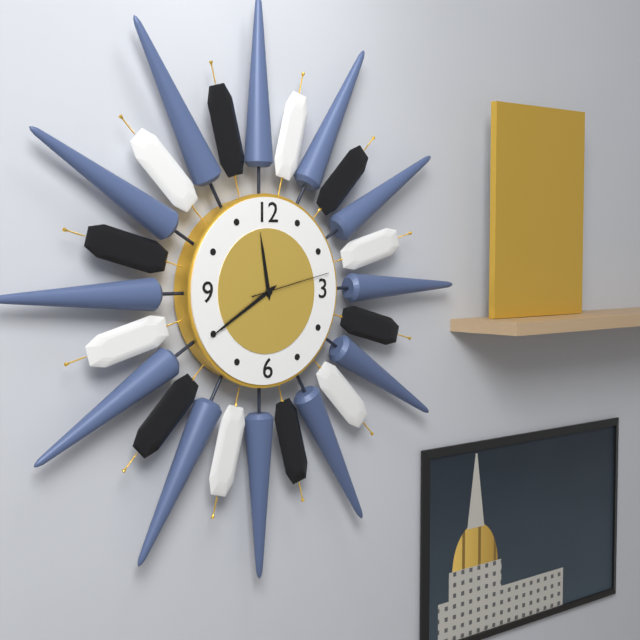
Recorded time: **11:40:13**
